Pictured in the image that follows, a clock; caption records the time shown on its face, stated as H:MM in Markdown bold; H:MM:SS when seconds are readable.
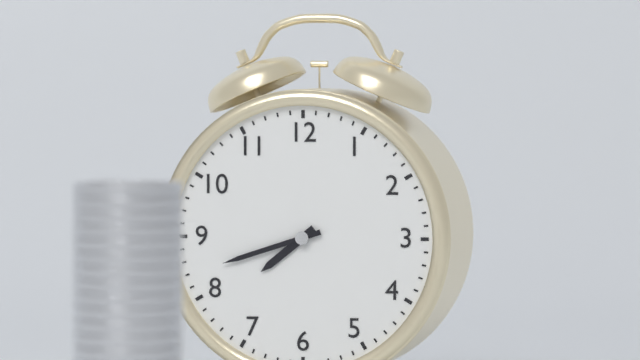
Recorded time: **7:42**
